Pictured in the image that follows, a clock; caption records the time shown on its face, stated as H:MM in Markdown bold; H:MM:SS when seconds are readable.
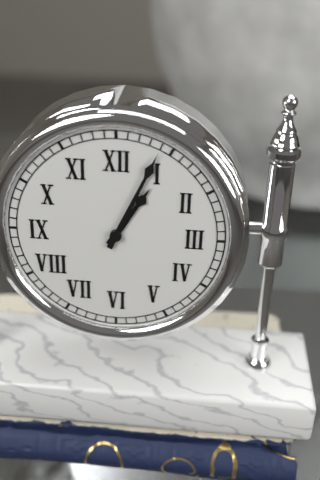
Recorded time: **1:04**
